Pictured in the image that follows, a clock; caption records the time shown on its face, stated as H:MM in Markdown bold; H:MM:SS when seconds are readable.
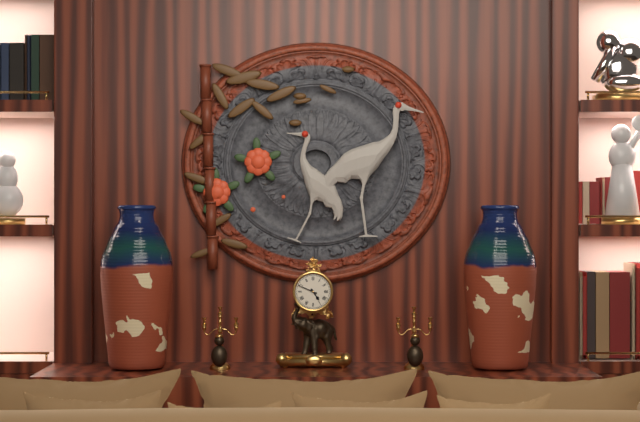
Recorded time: **4:49**
